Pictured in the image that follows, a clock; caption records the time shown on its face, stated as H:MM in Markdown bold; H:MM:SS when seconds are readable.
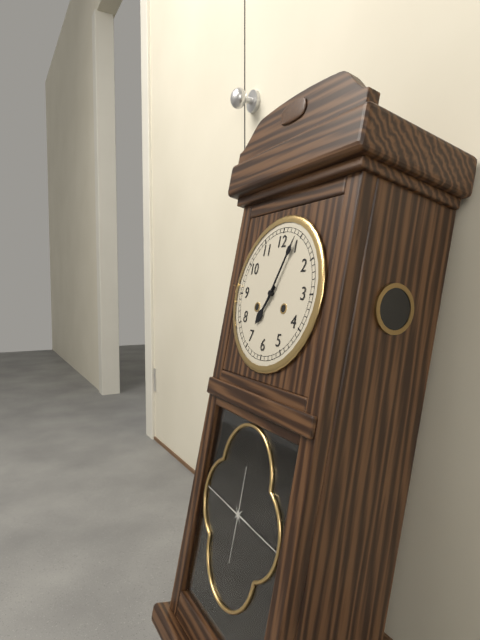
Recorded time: **7:04**
